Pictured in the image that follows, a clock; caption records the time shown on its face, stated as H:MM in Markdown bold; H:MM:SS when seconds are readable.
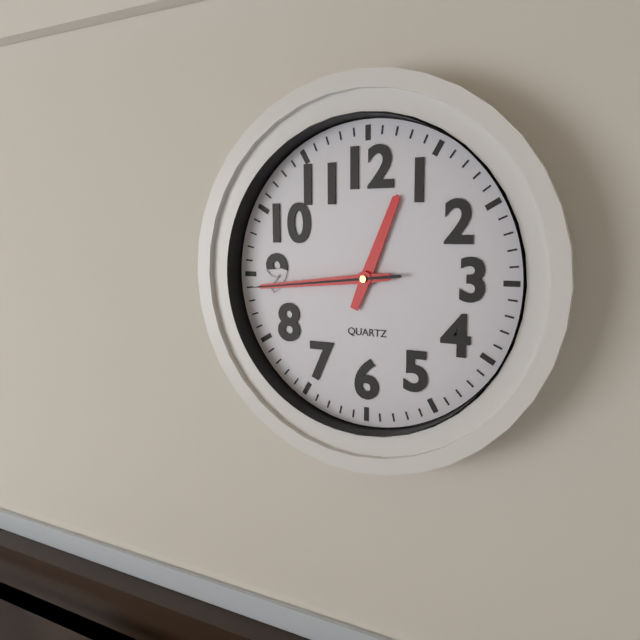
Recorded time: **12:44:44**
